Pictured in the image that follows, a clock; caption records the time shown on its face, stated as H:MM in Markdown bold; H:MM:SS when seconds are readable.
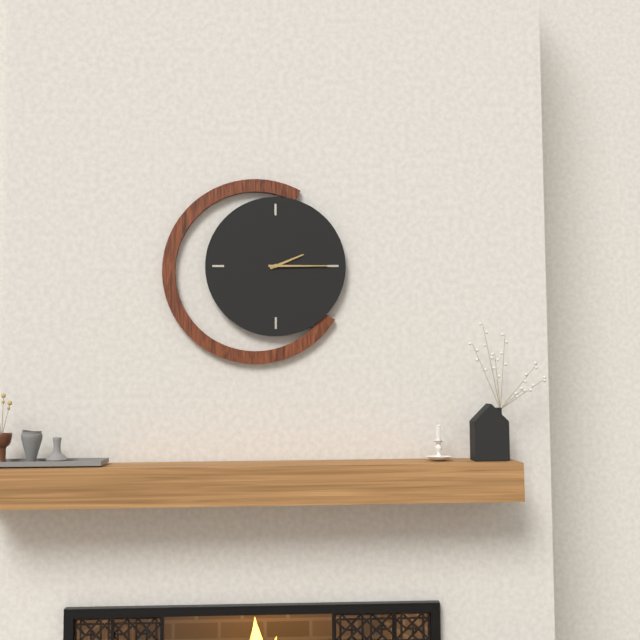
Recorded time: **2:15**
